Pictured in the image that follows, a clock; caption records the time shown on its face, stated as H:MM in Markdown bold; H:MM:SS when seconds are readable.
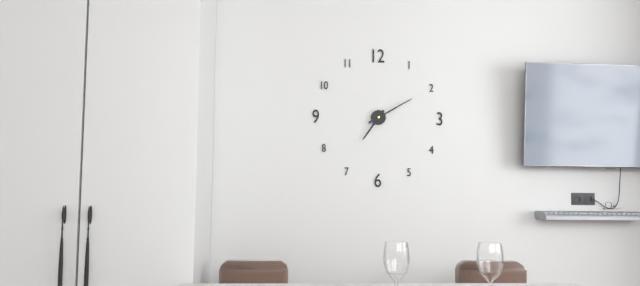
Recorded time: **7:10**
